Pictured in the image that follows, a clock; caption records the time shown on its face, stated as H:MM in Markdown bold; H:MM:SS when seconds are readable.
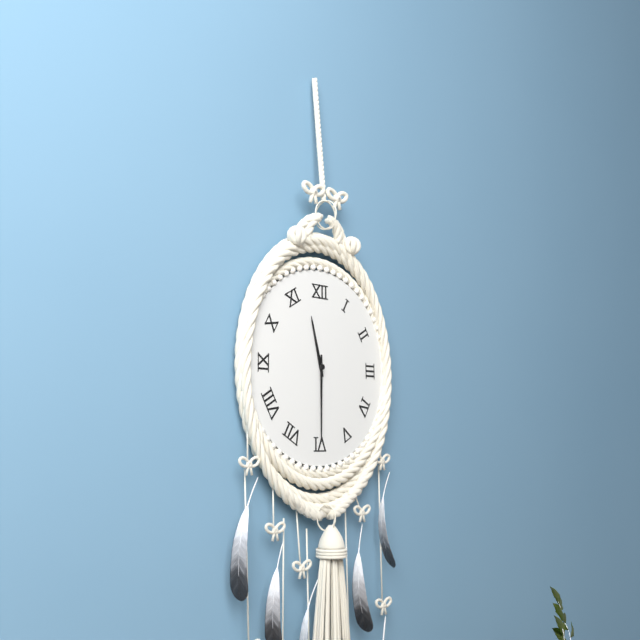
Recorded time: **11:30**
